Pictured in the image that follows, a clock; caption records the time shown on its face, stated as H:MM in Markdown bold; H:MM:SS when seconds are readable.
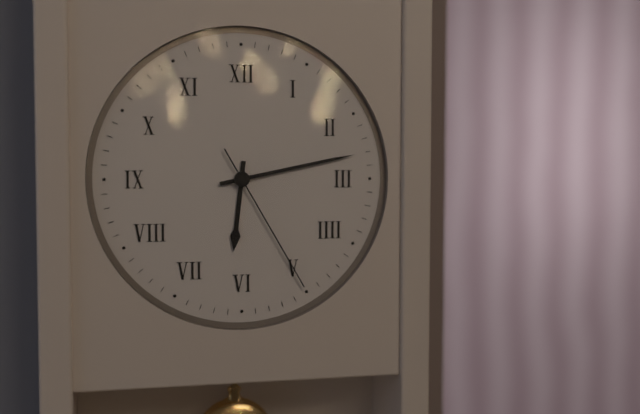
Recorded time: **6:13:25**
